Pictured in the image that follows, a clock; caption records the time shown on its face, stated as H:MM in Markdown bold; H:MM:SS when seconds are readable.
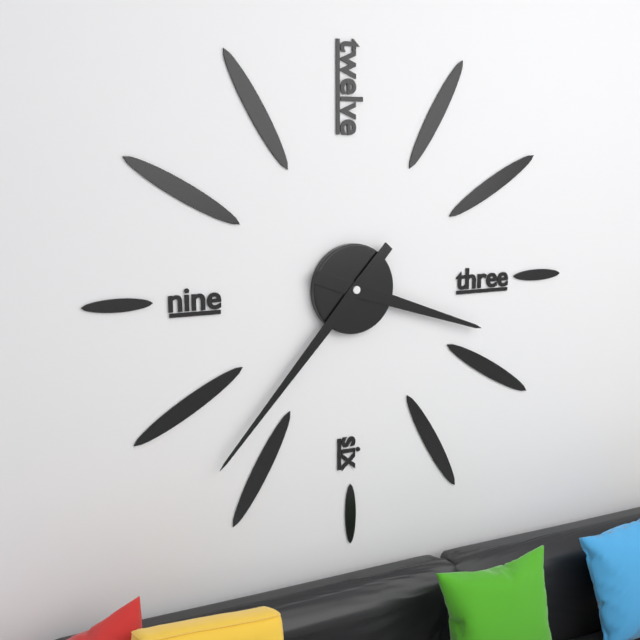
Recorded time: **3:37**
